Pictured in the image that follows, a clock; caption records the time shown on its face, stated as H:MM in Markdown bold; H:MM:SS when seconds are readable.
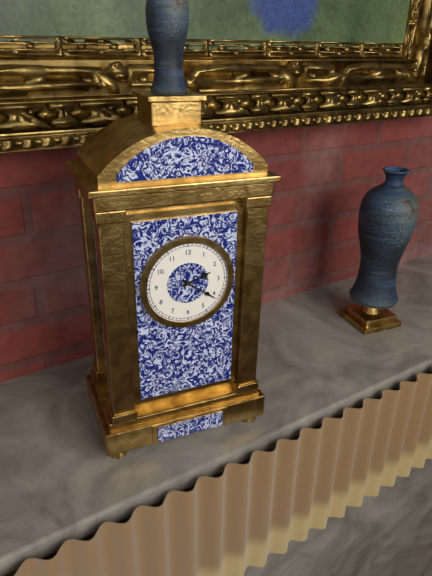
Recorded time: **2:21**
